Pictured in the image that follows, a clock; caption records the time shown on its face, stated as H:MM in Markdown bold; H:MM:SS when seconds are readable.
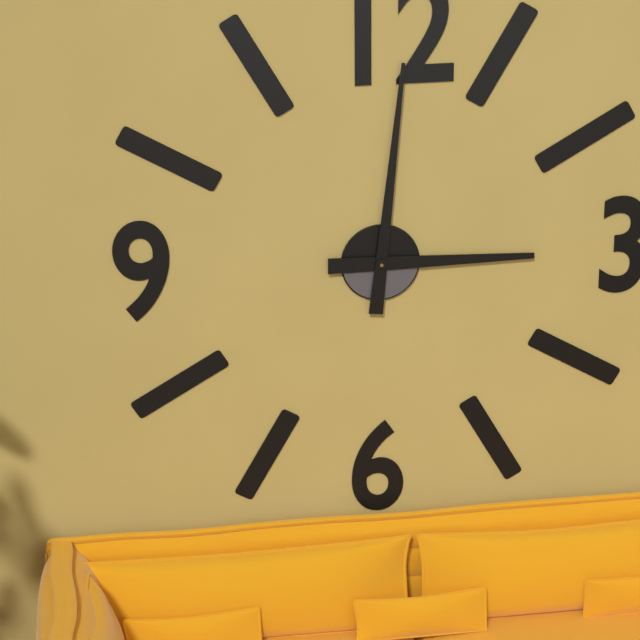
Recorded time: **3:01**
